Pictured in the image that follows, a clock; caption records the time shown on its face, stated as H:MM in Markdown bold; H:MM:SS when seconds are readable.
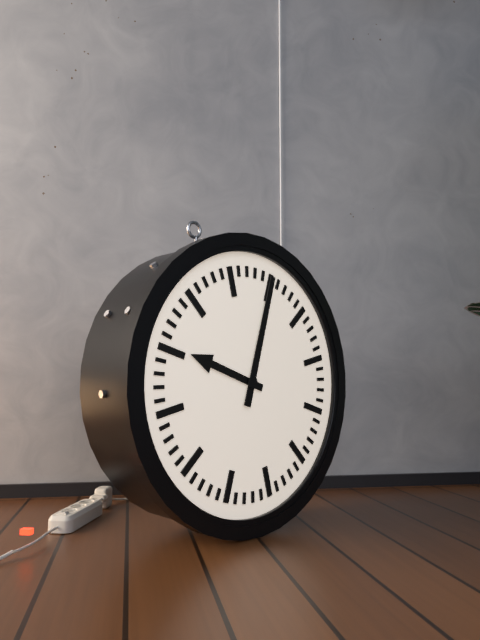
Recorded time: **10:05**
